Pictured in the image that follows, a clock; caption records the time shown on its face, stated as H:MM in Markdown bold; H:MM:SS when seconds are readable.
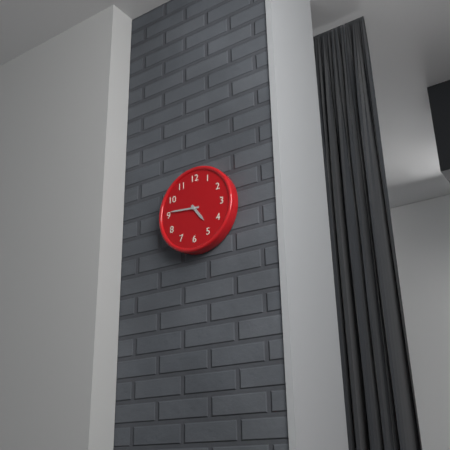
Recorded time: **4:46**
